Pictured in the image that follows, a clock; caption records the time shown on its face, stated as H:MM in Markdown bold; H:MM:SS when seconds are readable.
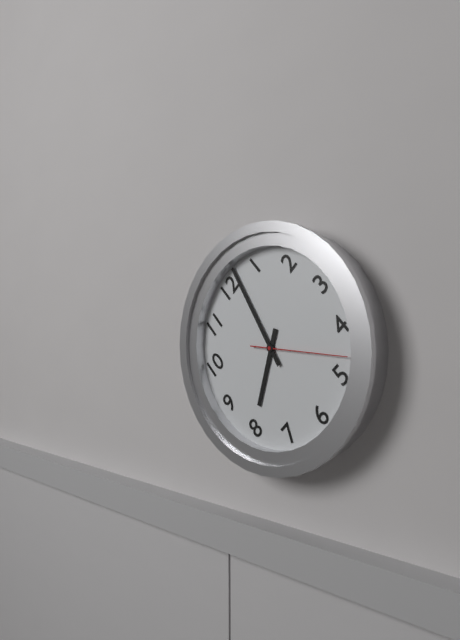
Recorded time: **8:02:23**
